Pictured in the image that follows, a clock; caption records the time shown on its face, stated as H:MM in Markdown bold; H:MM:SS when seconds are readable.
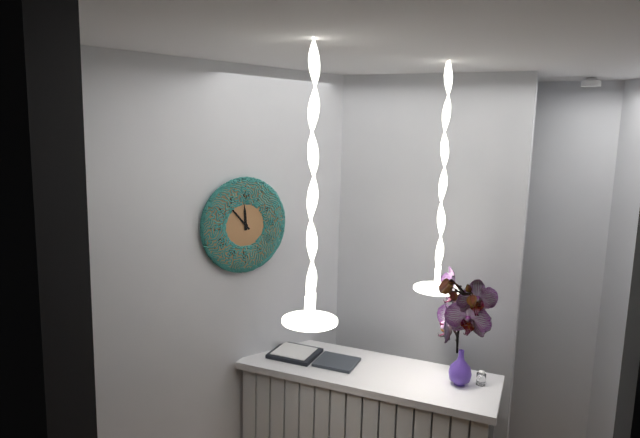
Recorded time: **11:53**
